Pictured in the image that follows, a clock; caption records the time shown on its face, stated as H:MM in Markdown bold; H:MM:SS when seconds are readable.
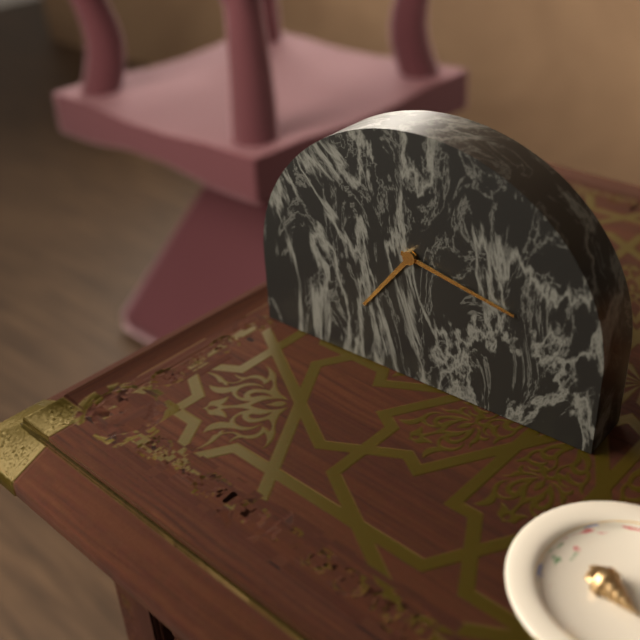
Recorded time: **7:17**
